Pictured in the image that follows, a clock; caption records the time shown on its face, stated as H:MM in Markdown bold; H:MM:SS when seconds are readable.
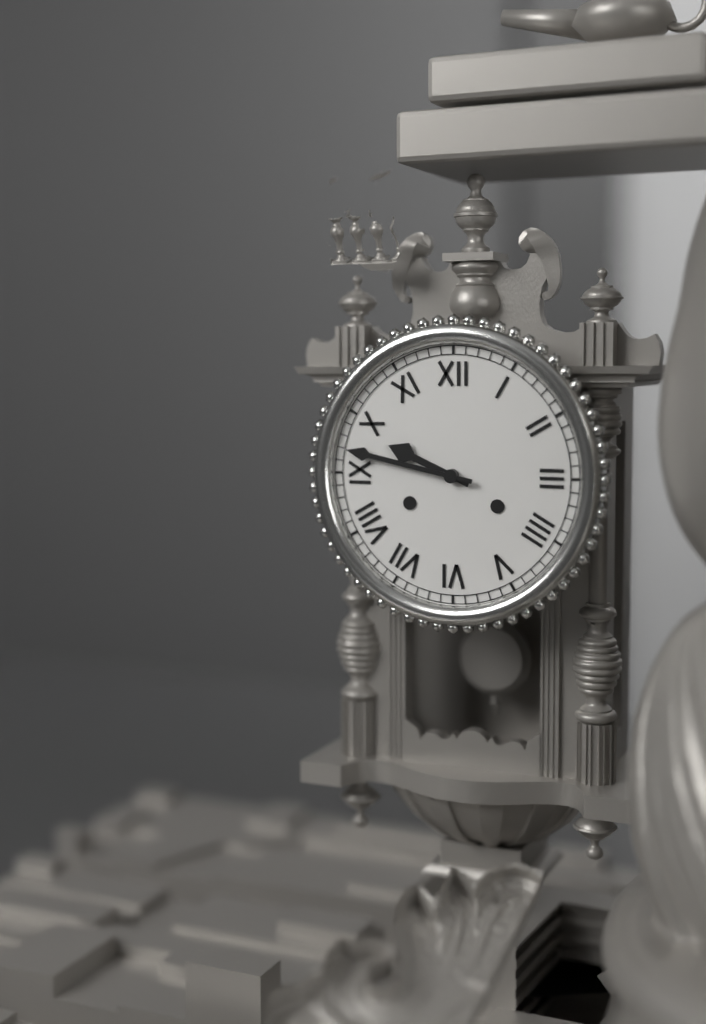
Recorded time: **9:47**
